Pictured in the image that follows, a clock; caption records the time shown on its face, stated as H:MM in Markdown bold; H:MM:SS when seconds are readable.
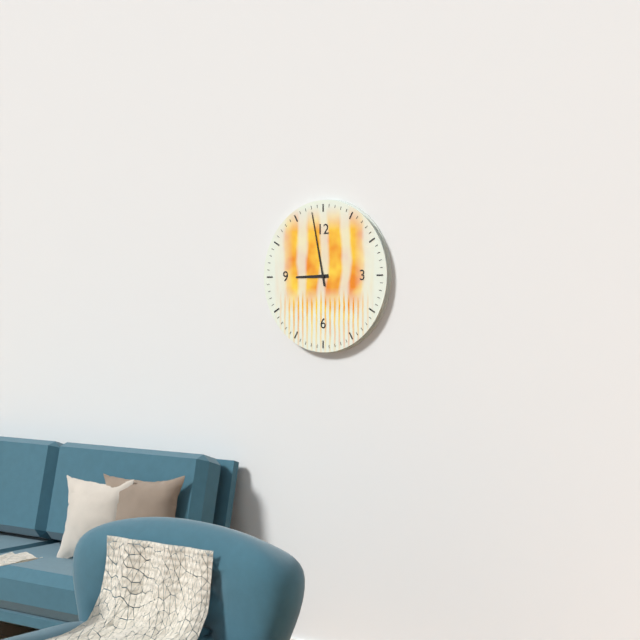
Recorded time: **8:58**
